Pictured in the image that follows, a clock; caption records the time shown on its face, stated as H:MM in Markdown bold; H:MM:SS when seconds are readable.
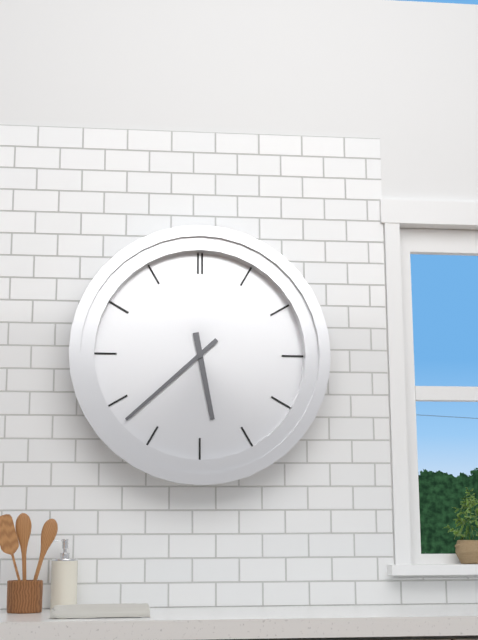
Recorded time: **5:38**
